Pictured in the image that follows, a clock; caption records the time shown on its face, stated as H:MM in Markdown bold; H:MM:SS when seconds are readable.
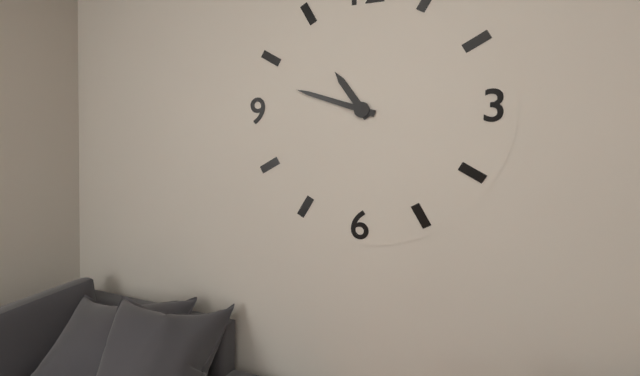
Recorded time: **10:48**
